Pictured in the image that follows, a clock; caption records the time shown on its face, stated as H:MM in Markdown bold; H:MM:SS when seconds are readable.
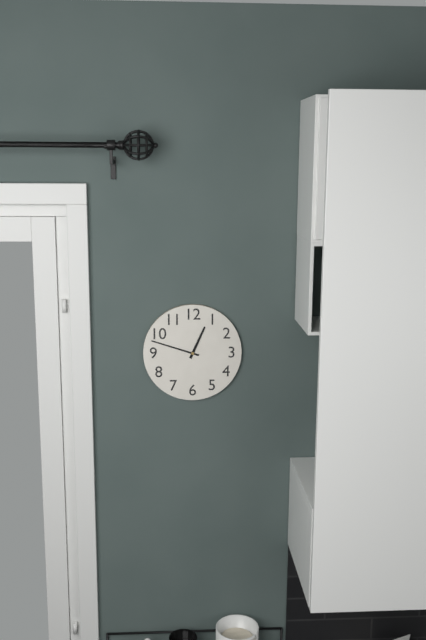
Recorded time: **12:48**
